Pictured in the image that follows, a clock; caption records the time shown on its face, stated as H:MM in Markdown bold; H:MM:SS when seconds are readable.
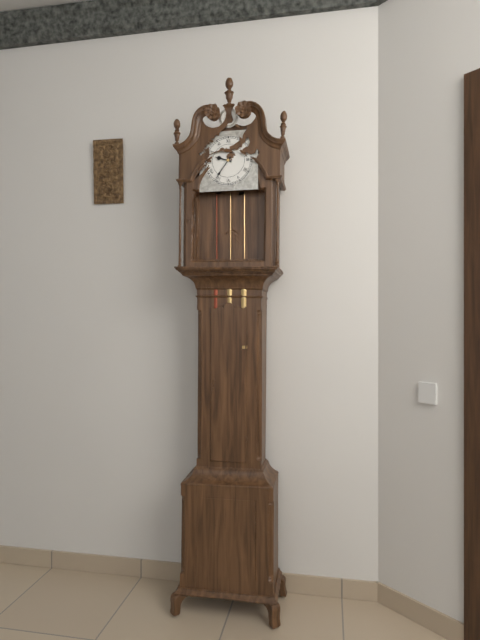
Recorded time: **9:36**
